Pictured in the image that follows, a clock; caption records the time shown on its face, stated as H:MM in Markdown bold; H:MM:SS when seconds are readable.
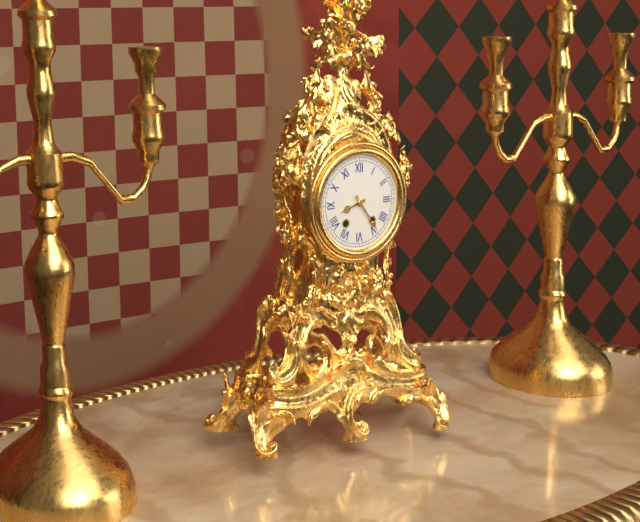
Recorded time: **8:24**
